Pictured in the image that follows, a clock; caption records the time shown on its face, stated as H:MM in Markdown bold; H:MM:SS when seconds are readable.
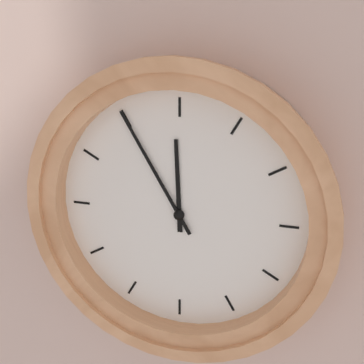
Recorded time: **11:55**
